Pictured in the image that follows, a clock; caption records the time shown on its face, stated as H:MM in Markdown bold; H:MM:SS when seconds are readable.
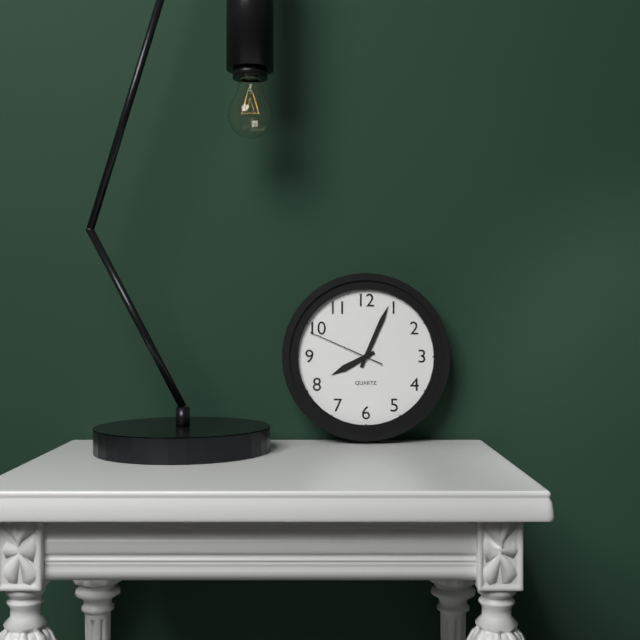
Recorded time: **8:04:49**
